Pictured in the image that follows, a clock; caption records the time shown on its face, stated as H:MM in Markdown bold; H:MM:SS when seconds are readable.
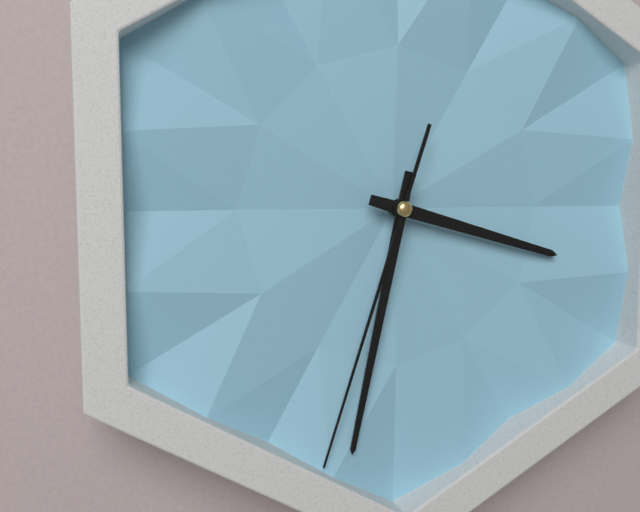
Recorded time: **3:32:33**
